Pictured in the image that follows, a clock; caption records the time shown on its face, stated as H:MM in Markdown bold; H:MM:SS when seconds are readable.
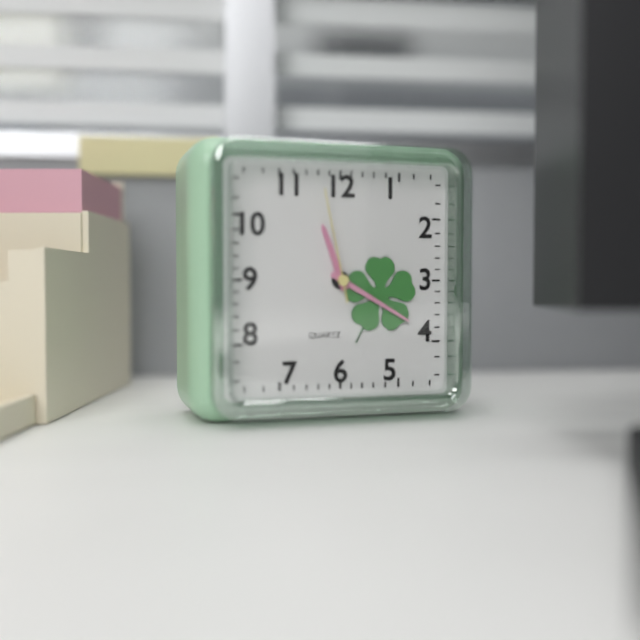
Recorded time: **11:20:58**
